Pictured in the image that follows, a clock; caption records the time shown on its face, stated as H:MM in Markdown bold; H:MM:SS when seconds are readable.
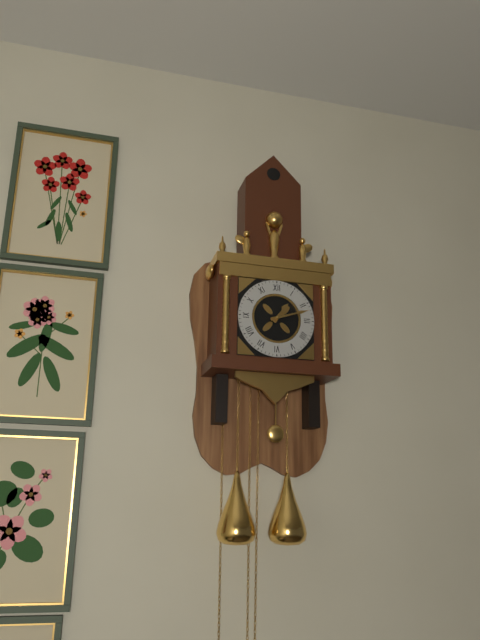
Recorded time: **1:12**
